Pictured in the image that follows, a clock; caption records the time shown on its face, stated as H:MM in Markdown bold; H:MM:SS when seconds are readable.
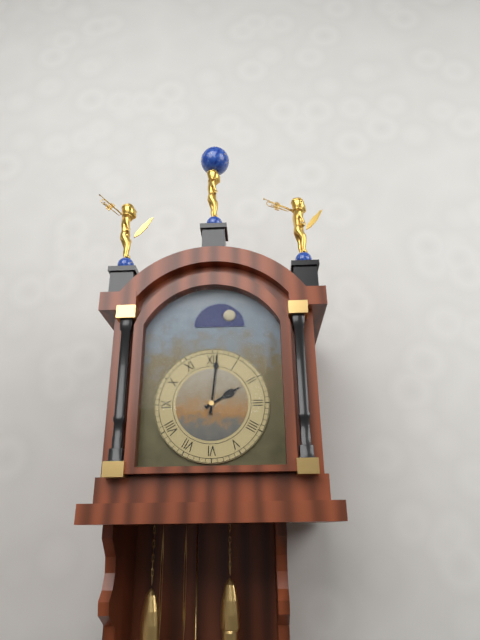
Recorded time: **2:01**
